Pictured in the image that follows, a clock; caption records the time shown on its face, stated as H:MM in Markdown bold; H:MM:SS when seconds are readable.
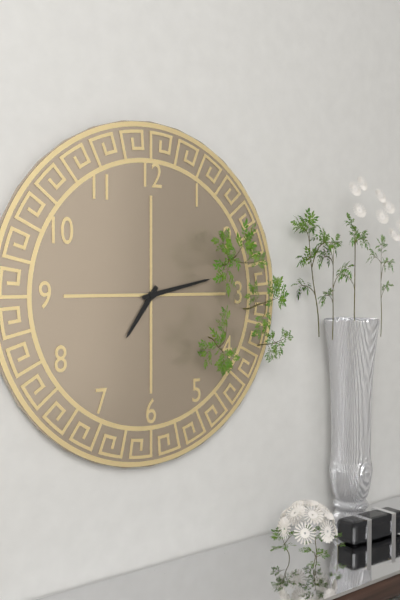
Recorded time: **7:13**
